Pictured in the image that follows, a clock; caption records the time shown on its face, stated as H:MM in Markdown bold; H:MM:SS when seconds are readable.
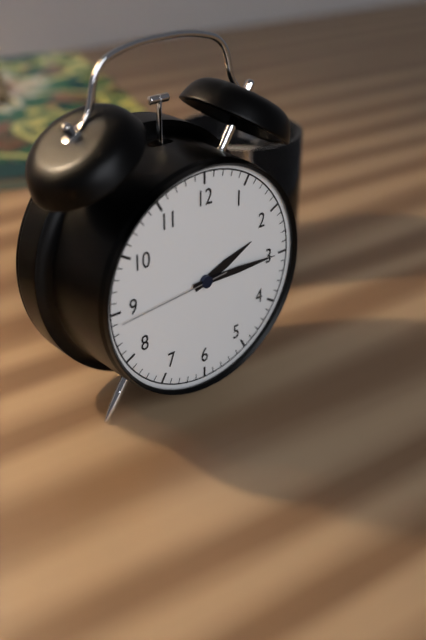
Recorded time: **2:15:44**
